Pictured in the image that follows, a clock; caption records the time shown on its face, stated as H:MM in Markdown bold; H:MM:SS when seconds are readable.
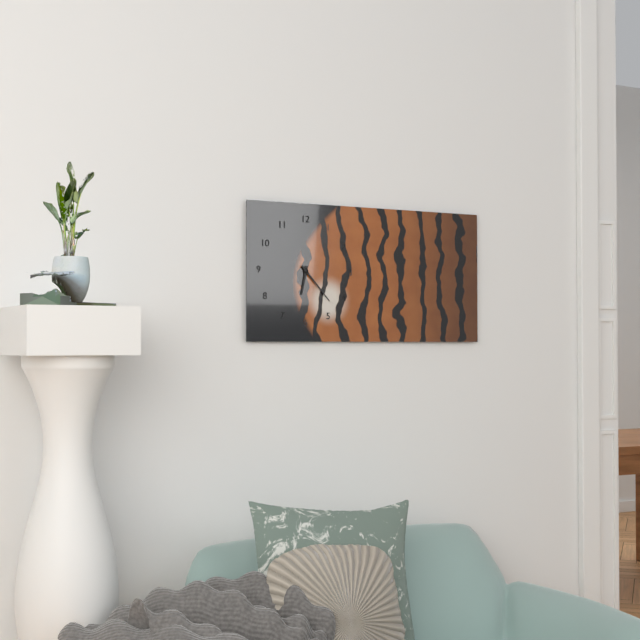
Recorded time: **6:23**
